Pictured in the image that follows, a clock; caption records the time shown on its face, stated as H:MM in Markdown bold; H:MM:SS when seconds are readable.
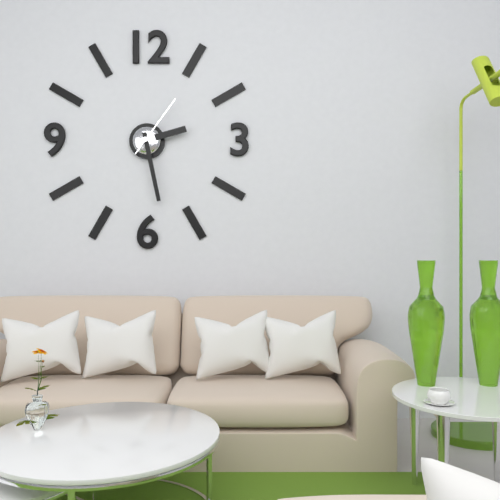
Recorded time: **2:28:06**
